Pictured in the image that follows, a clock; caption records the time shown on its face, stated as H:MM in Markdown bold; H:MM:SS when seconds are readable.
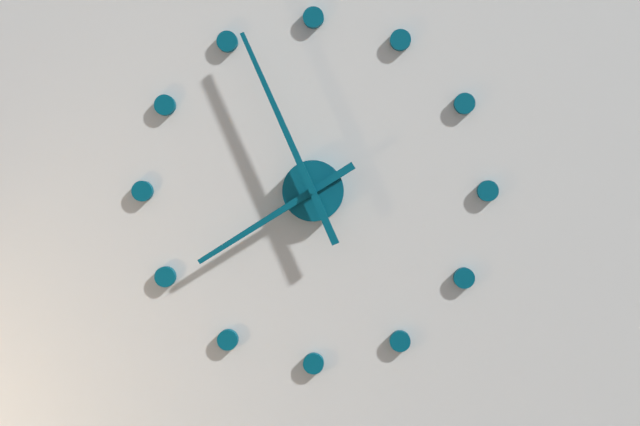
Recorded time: **7:56**
